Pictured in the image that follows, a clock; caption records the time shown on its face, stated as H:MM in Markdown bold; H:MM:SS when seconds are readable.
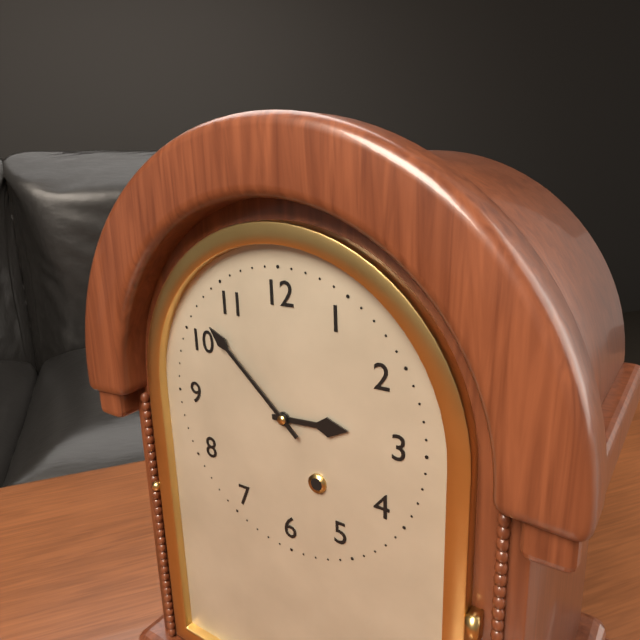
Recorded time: **2:52**
